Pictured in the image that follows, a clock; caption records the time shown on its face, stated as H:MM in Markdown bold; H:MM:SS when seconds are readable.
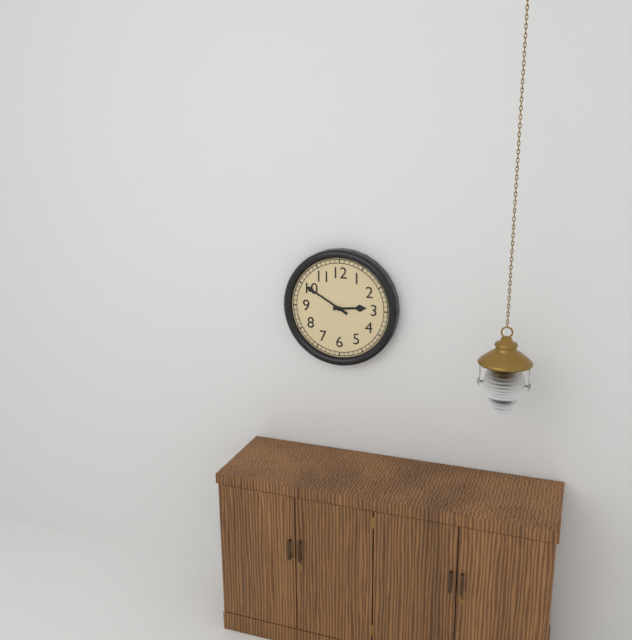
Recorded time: **2:50**
